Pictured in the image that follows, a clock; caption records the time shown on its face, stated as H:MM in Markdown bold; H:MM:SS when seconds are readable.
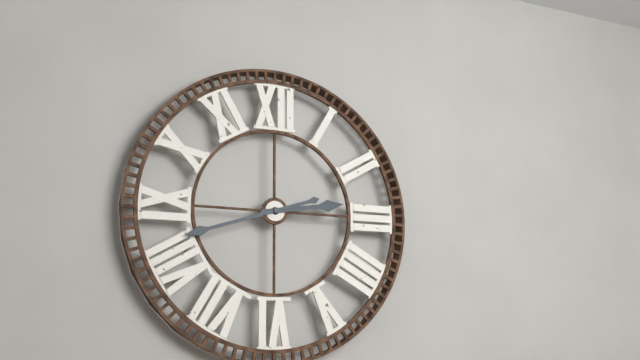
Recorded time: **2:42**
